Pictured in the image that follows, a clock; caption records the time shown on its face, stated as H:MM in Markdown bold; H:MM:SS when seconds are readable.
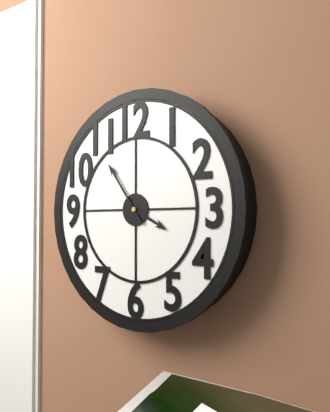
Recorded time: **3:54**
